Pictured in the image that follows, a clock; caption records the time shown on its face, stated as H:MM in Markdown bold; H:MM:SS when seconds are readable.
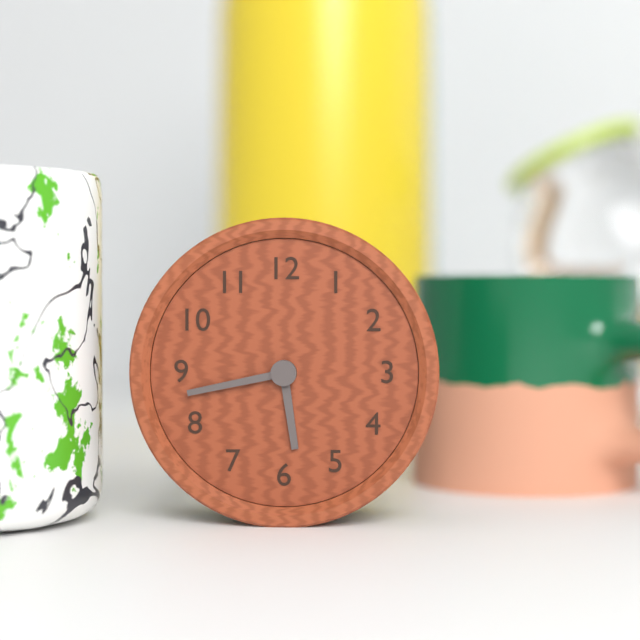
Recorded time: **5:43**
